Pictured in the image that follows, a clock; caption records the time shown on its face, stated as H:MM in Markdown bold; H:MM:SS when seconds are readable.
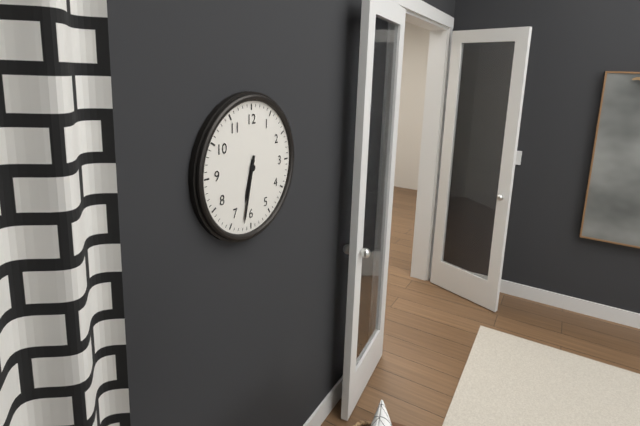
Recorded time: **6:32**
